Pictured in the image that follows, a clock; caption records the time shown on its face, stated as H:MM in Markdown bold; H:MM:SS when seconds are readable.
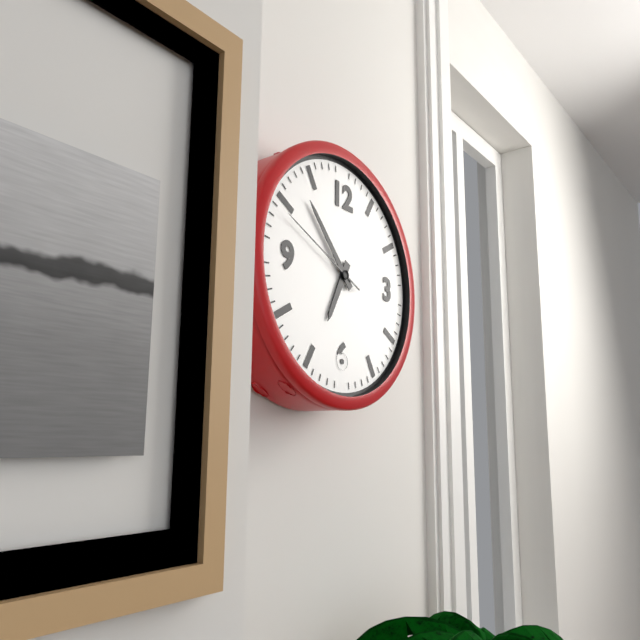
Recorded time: **6:53:49**
